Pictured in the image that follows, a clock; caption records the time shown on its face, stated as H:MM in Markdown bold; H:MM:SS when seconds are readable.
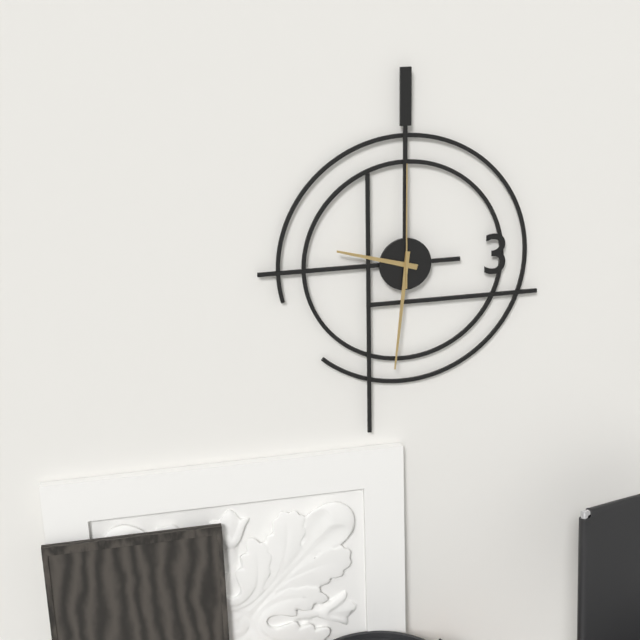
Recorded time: **9:31:00**
